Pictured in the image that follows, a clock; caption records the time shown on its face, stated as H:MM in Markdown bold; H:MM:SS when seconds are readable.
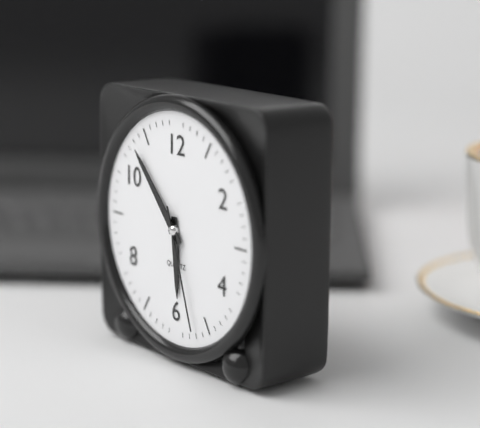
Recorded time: **5:53:27**
